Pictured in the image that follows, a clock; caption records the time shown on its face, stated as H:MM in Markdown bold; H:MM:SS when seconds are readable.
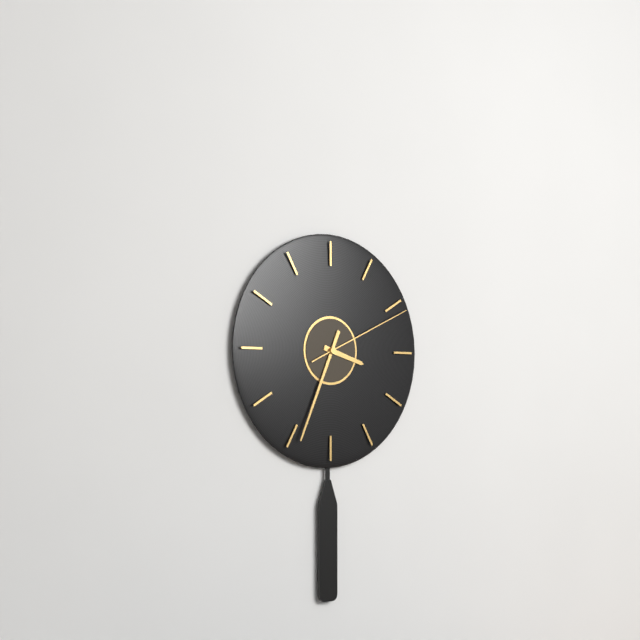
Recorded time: **3:34:11**
